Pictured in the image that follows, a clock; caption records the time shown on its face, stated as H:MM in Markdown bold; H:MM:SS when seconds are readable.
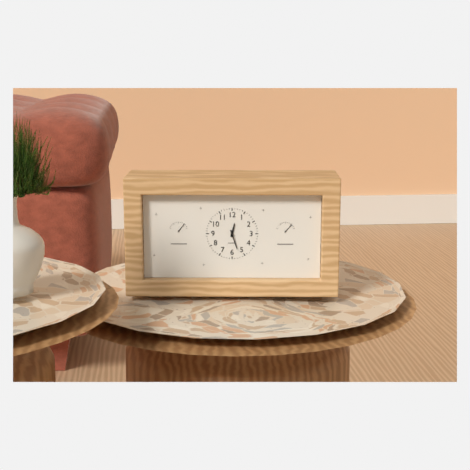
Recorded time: **12:27**
